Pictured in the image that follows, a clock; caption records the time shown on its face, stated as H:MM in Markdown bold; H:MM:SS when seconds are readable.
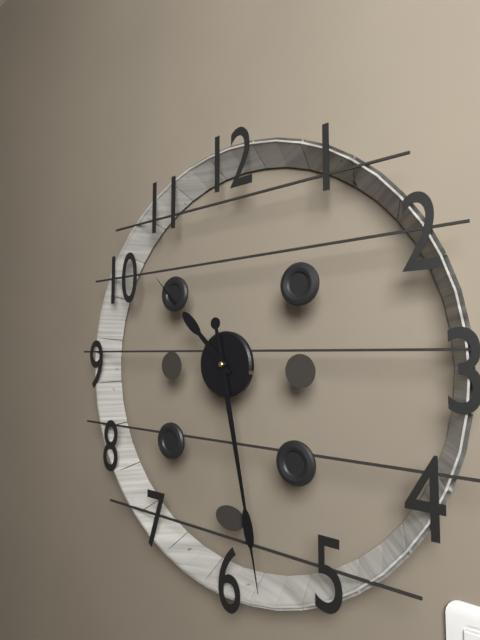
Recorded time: **10:28**
